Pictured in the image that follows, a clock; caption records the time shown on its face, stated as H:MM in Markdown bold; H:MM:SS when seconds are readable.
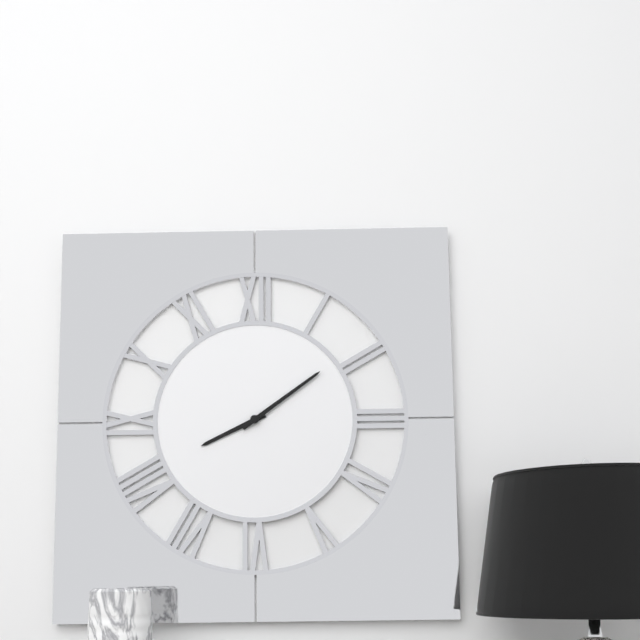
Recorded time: **8:09**
